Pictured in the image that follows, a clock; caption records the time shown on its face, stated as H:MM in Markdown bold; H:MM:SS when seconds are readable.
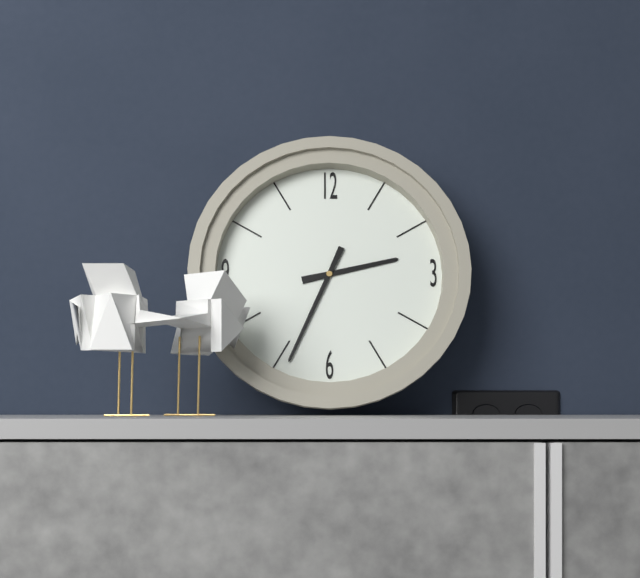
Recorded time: **2:34**
